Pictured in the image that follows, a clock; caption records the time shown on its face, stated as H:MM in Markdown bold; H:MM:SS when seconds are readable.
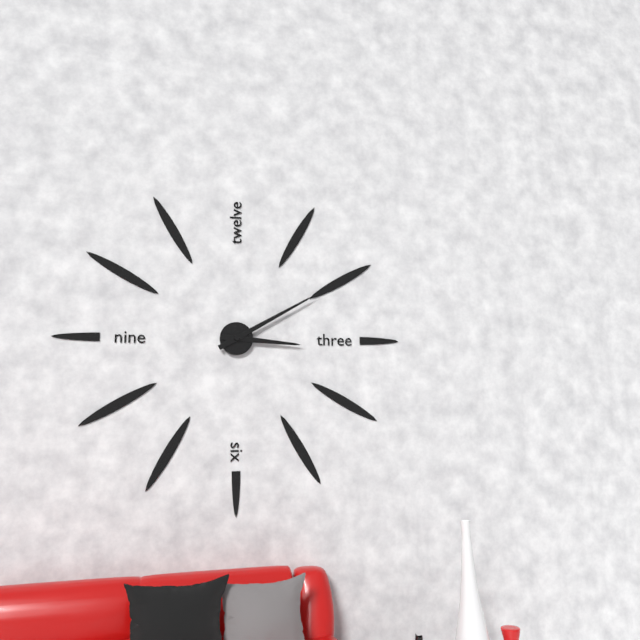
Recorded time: **3:10**
